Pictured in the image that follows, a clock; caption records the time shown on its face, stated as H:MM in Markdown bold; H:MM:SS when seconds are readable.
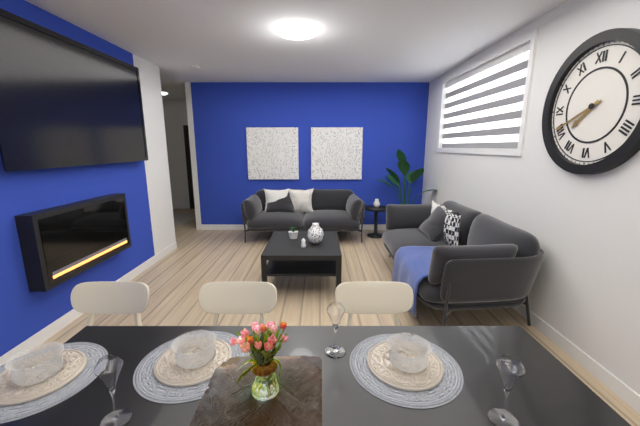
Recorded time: **7:41**
